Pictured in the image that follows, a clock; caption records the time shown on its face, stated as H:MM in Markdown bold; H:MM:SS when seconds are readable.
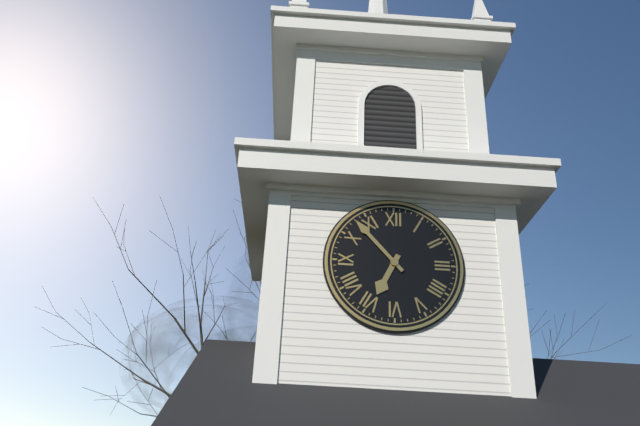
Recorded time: **6:53**
